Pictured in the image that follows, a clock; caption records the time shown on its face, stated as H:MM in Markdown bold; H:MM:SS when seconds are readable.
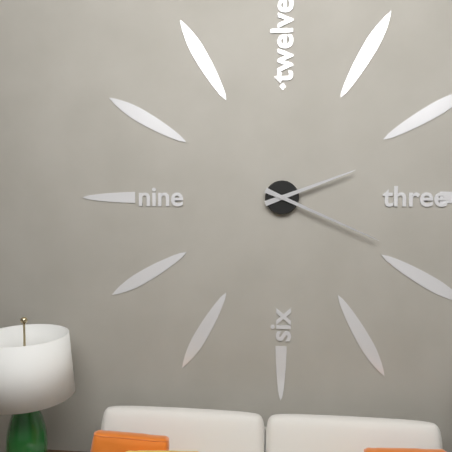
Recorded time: **2:19**
